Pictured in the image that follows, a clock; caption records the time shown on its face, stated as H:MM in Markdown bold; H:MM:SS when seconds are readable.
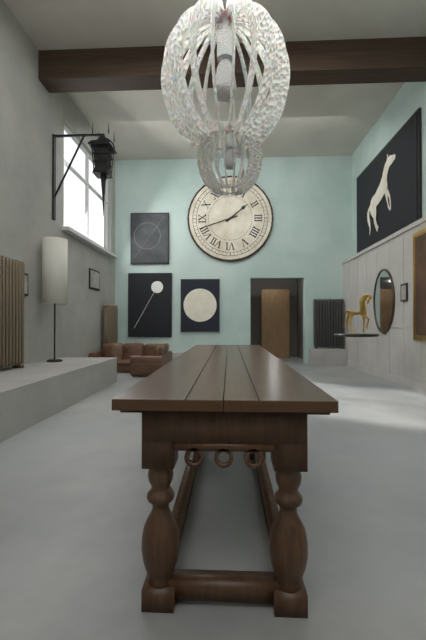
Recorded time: **1:42**
